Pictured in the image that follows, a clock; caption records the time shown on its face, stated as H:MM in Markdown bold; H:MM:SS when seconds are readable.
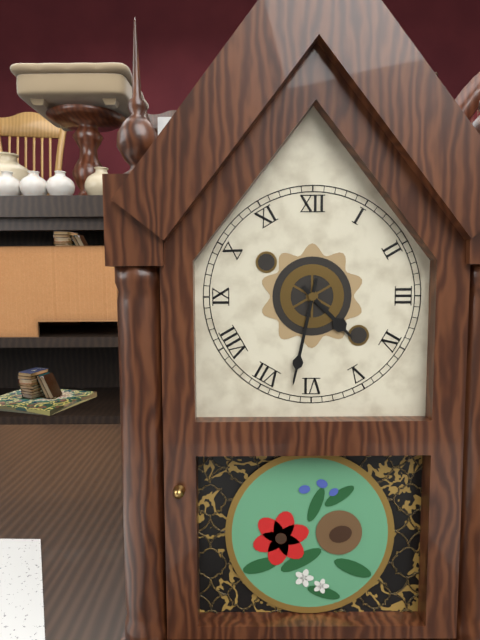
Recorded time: **4:32**
